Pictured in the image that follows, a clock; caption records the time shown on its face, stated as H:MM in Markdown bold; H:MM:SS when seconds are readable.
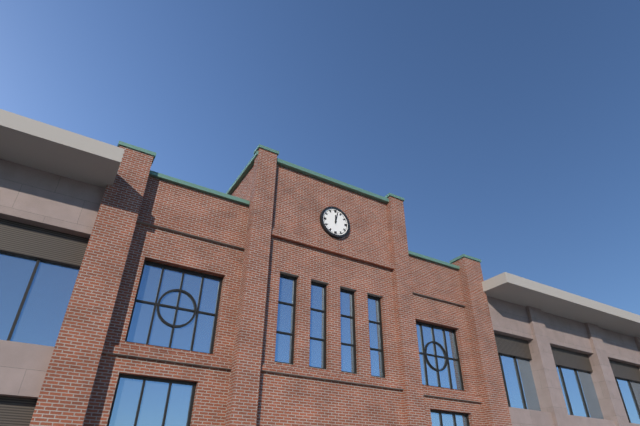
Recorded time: **12:02**
